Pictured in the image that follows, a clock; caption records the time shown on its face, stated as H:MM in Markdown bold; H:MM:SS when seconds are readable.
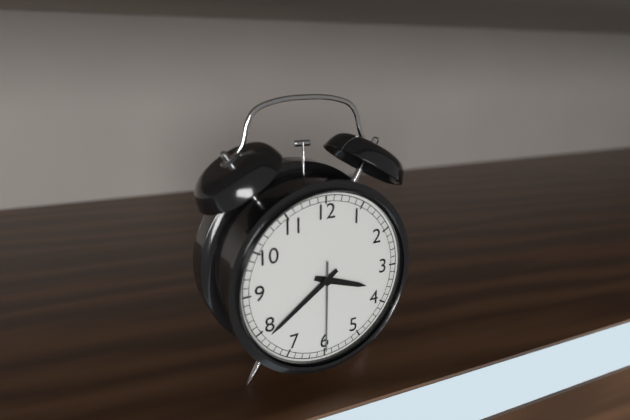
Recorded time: **3:39:30**
